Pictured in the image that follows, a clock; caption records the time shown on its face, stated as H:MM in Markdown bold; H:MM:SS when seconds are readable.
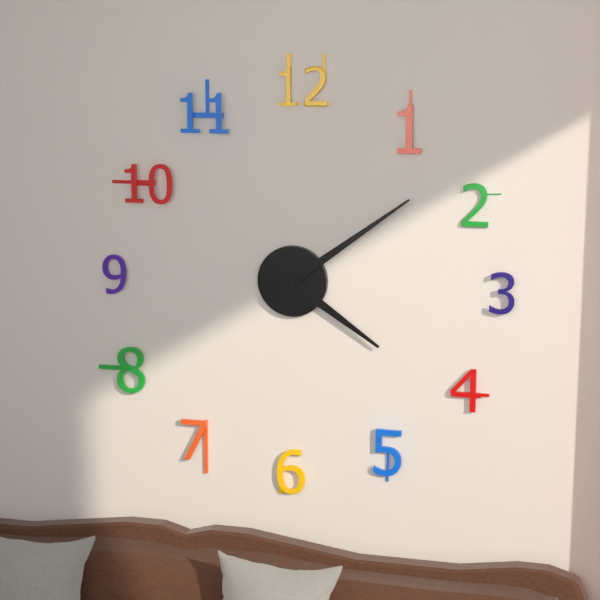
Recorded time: **4:09**
